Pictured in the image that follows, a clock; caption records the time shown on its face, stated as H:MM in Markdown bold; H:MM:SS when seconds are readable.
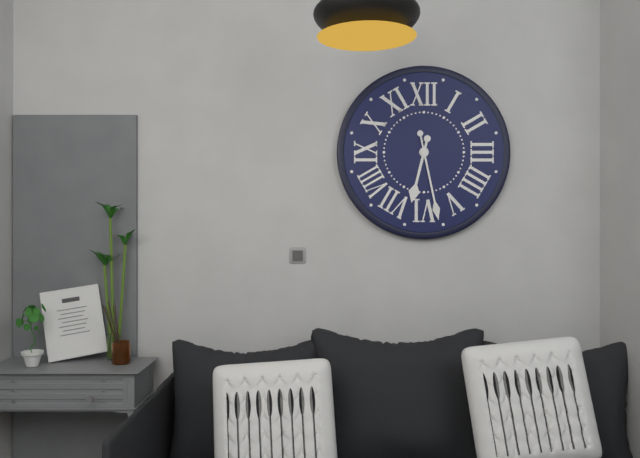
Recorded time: **6:28**
